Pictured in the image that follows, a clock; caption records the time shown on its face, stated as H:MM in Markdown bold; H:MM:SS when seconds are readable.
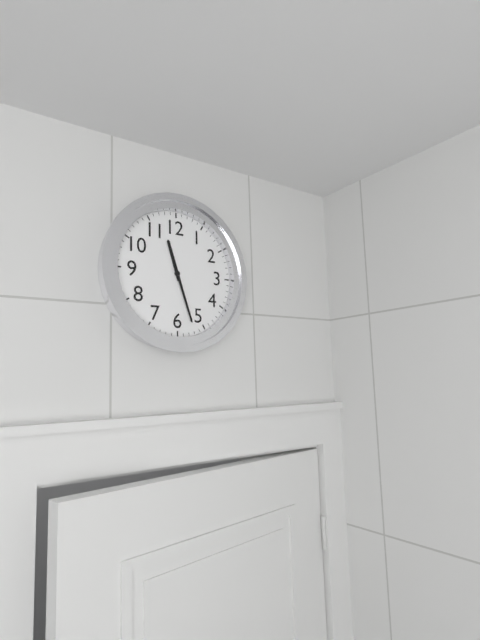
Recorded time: **11:27**
